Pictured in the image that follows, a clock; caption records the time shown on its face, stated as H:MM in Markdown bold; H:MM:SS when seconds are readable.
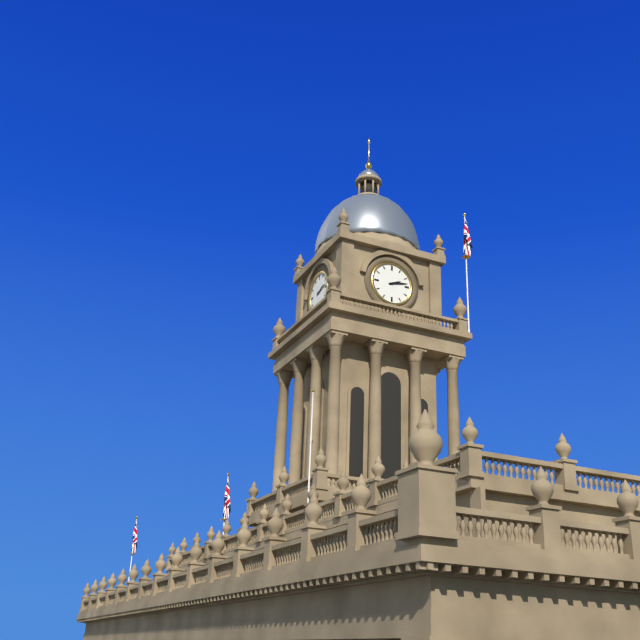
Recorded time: **2:13**
